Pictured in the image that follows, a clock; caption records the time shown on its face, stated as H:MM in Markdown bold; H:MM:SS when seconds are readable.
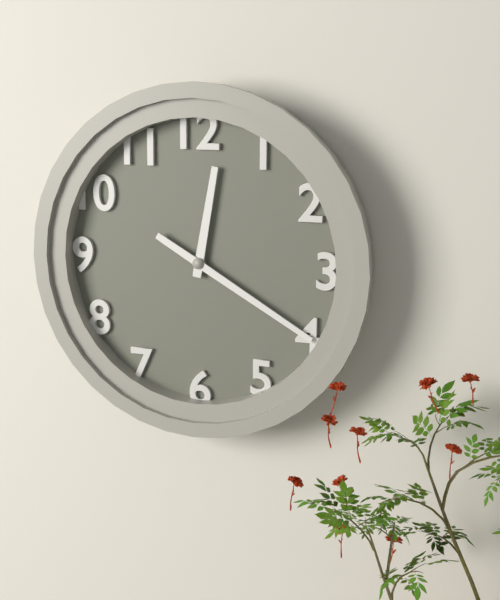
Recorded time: **12:20**
